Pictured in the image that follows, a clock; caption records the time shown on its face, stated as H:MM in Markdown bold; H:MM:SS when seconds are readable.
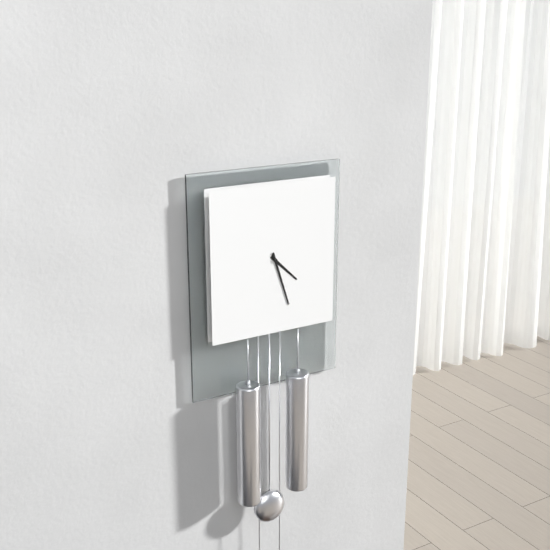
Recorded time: **4:27**
